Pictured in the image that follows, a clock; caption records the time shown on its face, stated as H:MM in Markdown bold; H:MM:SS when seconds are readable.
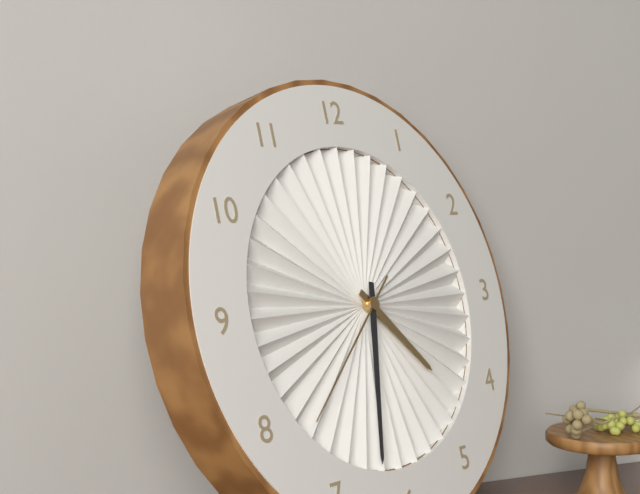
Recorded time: **4:32:38**
